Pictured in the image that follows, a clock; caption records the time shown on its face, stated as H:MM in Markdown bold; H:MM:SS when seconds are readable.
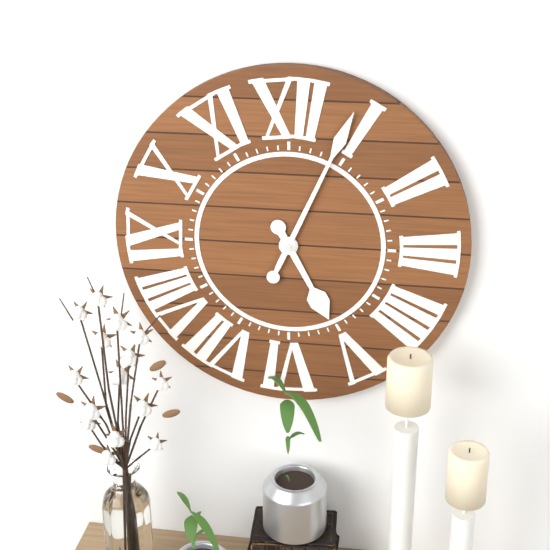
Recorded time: **5:04**
